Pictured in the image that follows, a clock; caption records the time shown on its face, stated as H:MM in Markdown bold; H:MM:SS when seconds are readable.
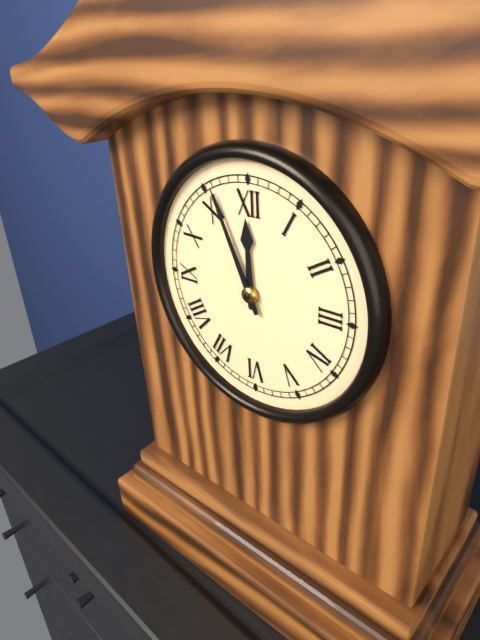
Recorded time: **11:56**
